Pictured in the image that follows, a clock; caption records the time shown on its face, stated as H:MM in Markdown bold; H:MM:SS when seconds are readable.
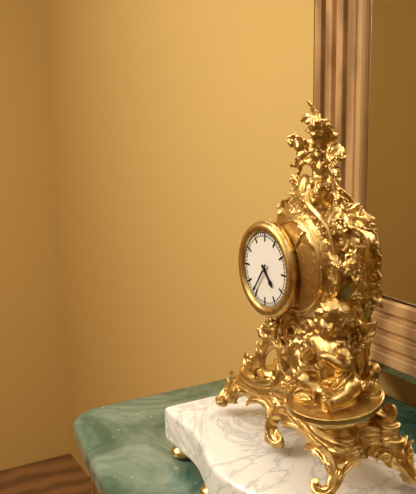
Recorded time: **4:36**
